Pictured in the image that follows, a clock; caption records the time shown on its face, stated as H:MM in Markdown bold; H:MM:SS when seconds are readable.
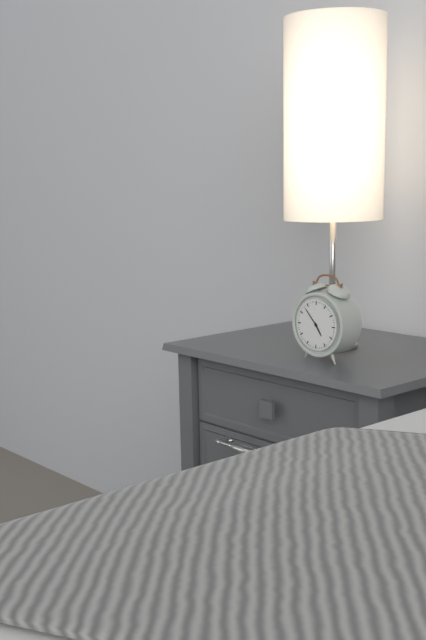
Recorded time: **4:53**
